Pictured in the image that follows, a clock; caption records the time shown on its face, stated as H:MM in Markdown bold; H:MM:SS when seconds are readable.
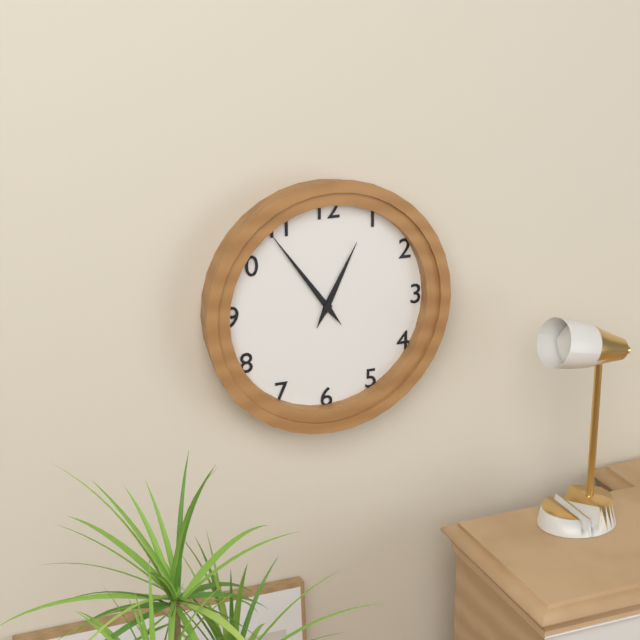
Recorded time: **12:54**
